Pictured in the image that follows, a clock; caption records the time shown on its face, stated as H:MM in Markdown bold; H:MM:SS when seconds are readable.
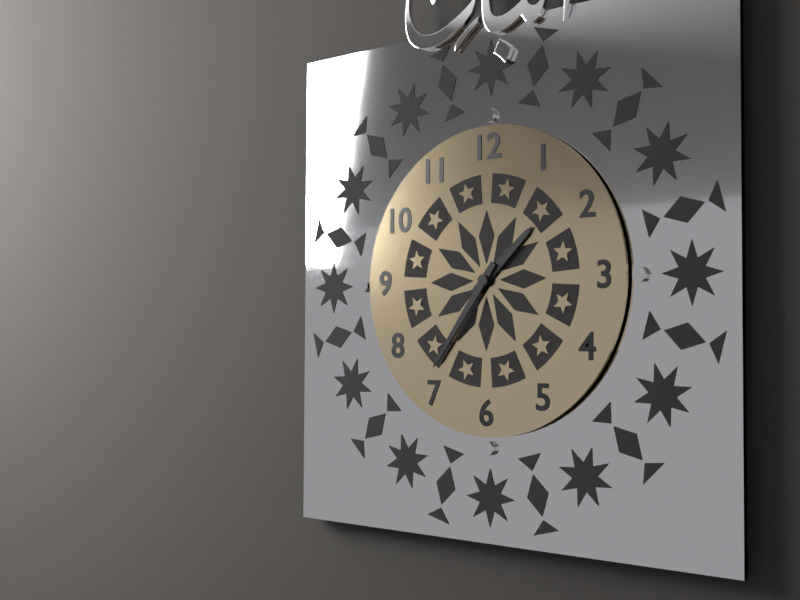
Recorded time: **1:36**
